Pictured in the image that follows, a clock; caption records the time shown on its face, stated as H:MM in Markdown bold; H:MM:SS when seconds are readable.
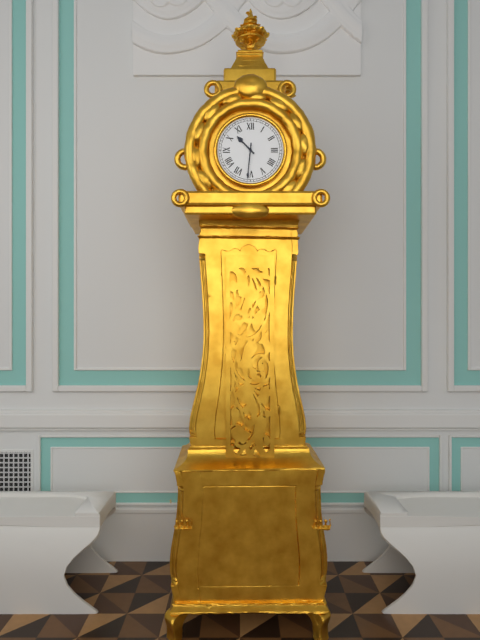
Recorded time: **10:31**
